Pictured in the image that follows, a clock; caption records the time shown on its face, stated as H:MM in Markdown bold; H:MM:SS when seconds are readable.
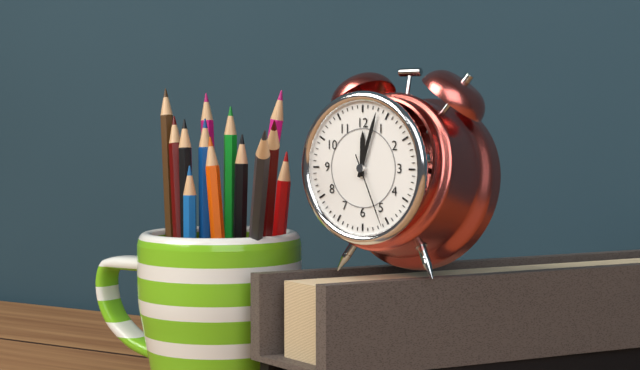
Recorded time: **12:03:26**
